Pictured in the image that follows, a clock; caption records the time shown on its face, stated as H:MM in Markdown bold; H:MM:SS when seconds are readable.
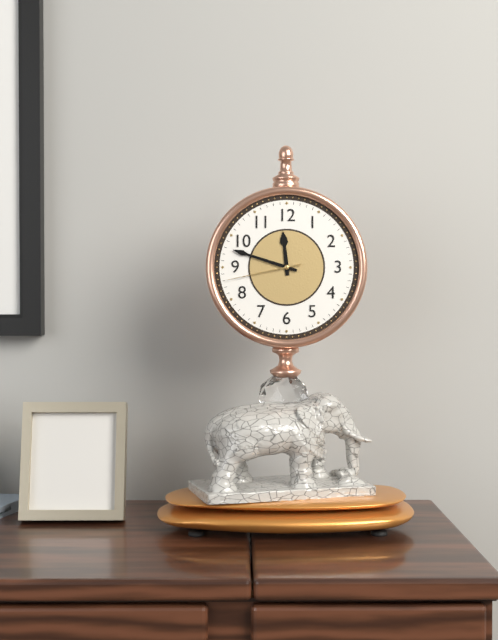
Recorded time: **11:48:43**
